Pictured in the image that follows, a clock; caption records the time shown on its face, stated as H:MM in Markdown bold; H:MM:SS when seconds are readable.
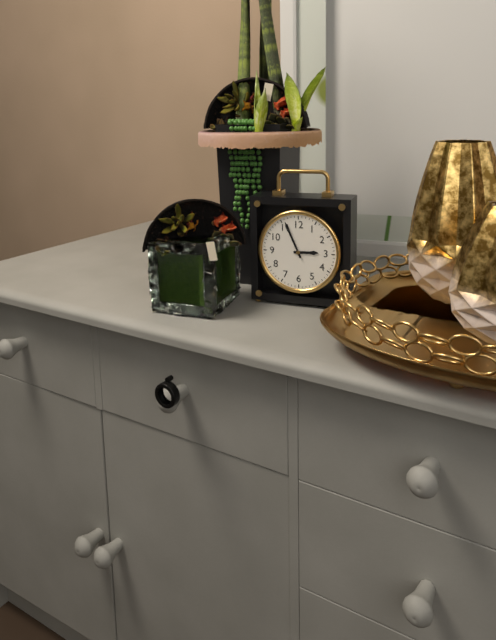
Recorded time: **2:56**
